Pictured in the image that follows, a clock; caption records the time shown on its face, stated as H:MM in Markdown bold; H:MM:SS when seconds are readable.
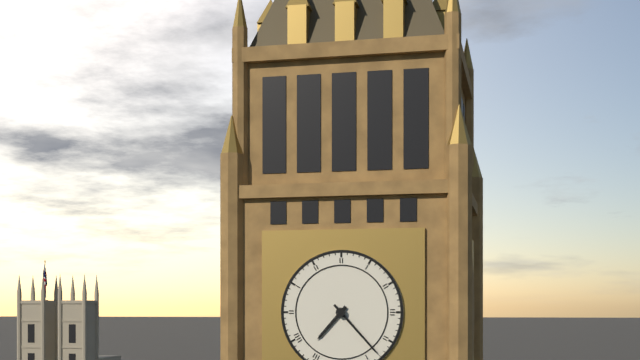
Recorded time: **7:23**
